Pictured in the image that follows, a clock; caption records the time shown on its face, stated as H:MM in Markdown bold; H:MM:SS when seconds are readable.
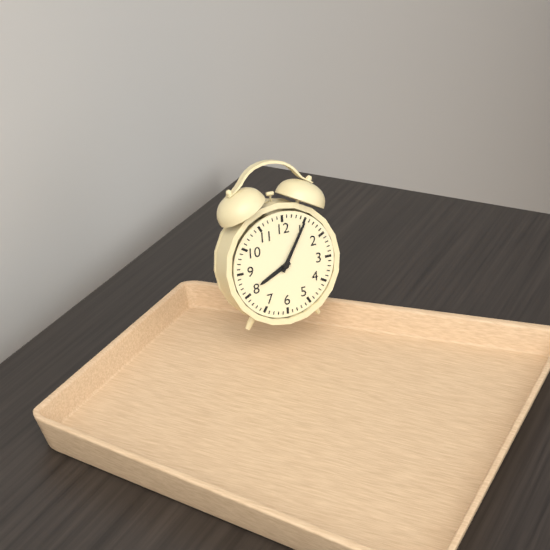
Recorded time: **8:05**
